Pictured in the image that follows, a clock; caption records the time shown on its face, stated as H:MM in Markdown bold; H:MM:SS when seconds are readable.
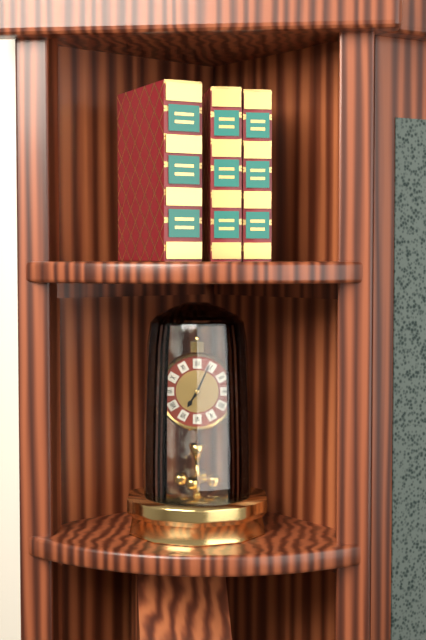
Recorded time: **7:04**
